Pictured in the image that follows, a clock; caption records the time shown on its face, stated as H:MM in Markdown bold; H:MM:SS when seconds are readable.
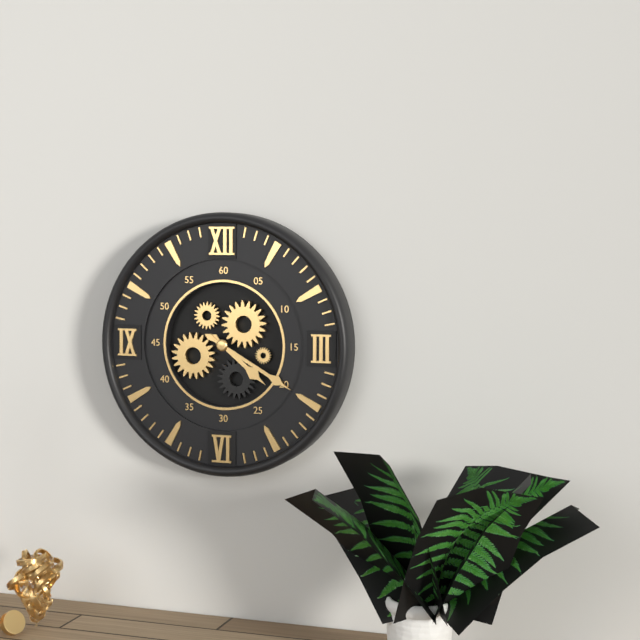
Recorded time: **4:20**
